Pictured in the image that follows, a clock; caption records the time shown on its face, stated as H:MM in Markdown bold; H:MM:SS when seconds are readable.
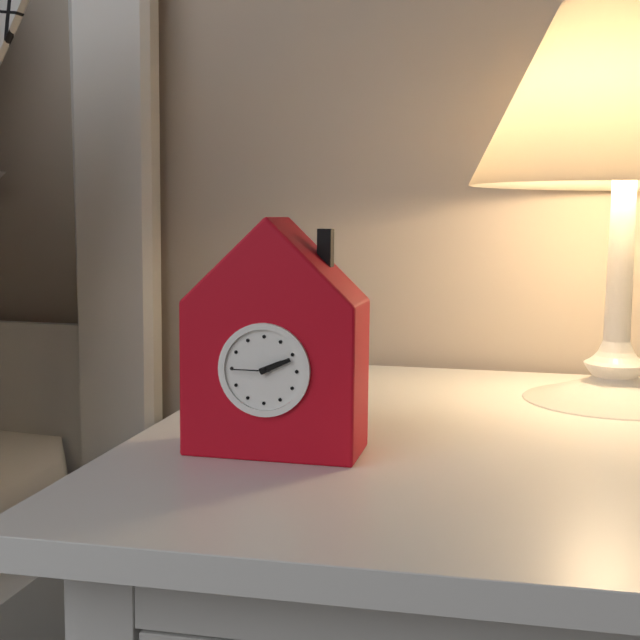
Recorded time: **2:11**
